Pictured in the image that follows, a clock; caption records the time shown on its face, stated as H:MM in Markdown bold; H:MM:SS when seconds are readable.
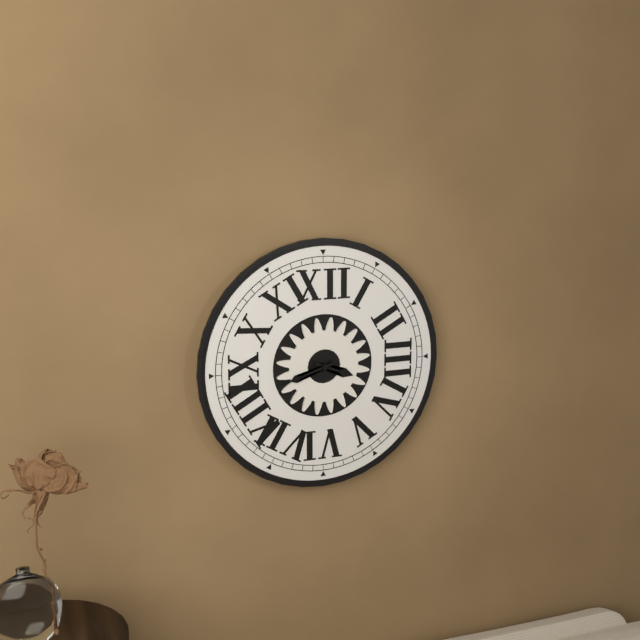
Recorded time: **3:42**
